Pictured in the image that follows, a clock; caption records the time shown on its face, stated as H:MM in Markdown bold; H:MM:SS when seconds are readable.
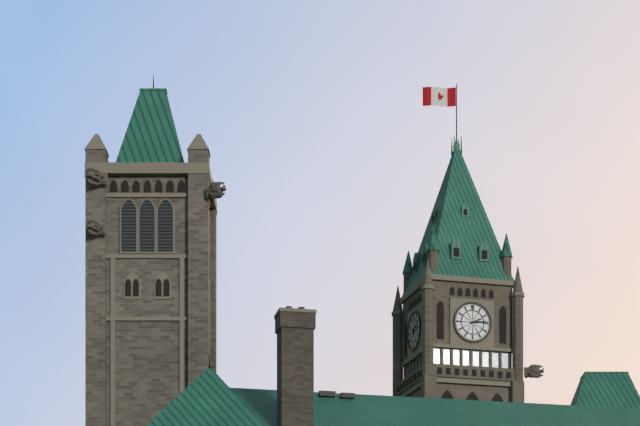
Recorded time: **2:14**
